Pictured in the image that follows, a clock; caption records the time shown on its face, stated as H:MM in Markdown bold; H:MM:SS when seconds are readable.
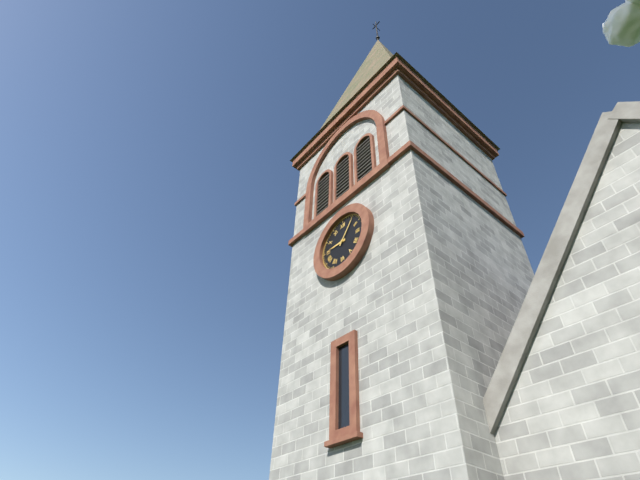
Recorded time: **9:06**
